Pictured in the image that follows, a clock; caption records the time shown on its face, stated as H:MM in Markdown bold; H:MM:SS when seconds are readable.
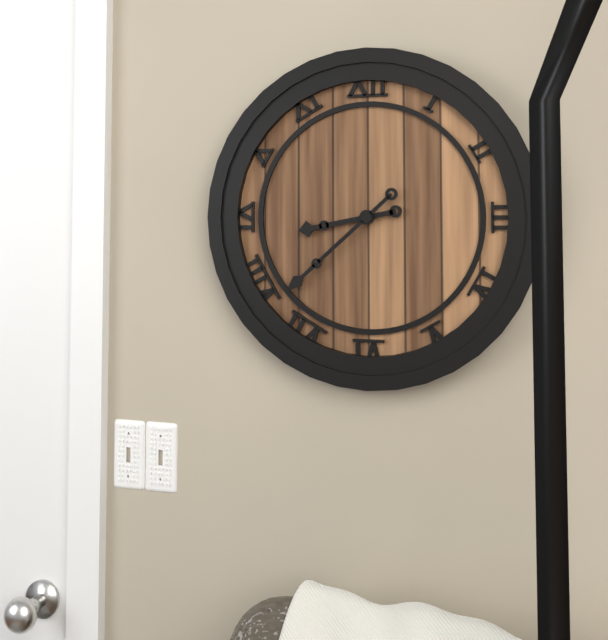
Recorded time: **8:38**
